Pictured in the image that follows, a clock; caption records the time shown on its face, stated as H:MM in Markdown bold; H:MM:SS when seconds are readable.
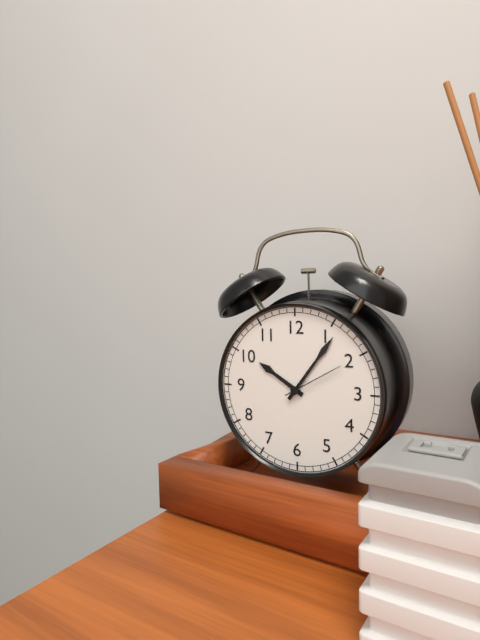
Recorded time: **10:06:10**
